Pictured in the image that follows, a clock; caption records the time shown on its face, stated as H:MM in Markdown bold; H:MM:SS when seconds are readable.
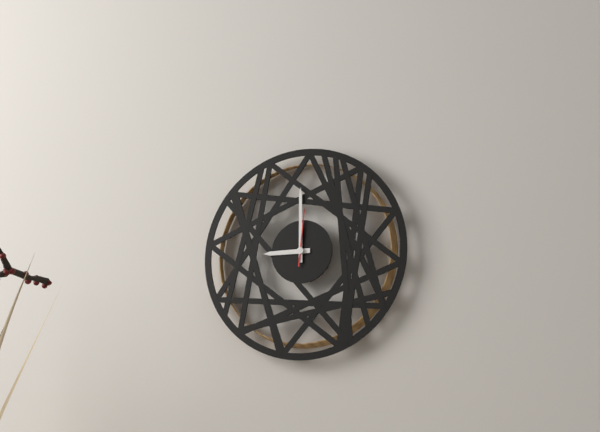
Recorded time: **9:00:01**
